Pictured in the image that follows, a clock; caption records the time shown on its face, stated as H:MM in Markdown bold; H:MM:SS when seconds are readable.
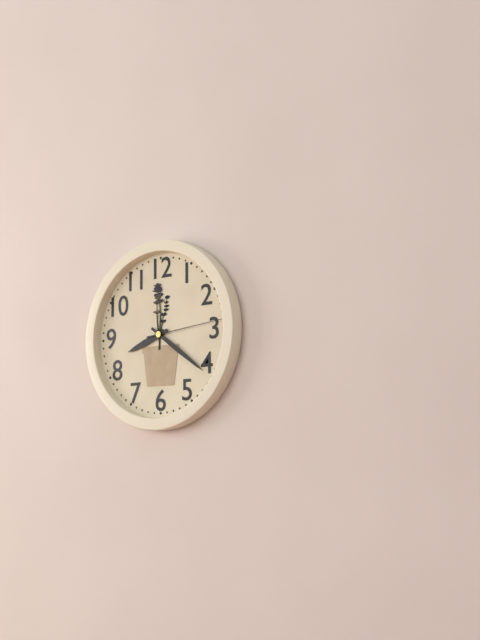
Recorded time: **8:21:14**
